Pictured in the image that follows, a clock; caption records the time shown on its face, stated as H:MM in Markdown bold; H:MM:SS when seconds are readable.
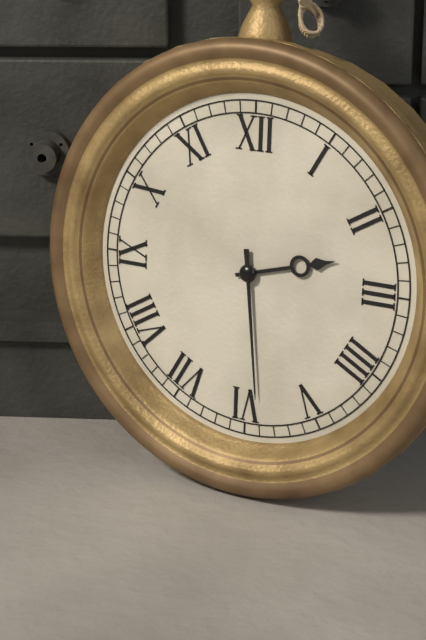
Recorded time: **2:29**
